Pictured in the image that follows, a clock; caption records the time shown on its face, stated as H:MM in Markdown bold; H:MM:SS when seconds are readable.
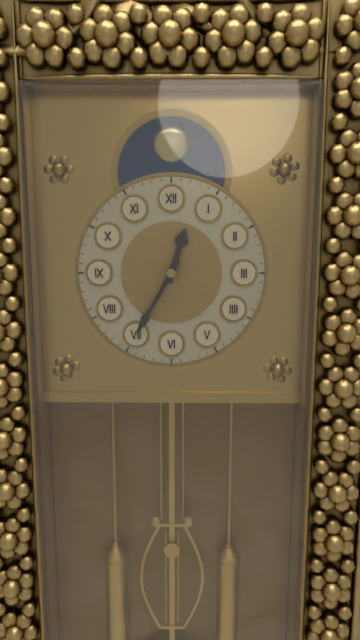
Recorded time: **12:35**
